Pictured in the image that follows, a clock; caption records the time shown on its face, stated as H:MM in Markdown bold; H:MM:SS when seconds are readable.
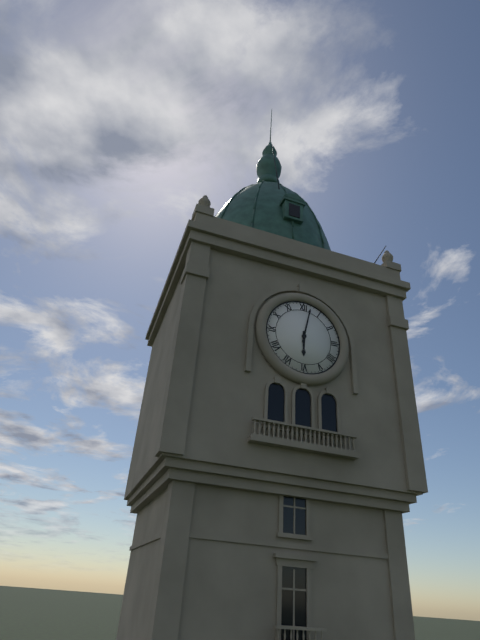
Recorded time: **6:02**
